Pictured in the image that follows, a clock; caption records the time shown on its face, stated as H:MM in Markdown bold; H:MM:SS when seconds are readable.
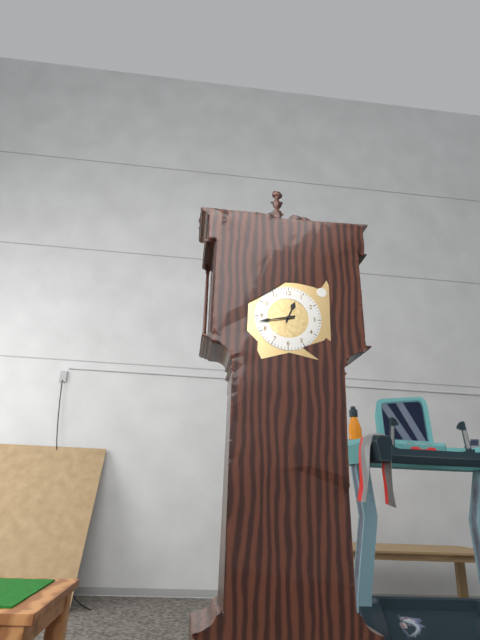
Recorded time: **12:43**
